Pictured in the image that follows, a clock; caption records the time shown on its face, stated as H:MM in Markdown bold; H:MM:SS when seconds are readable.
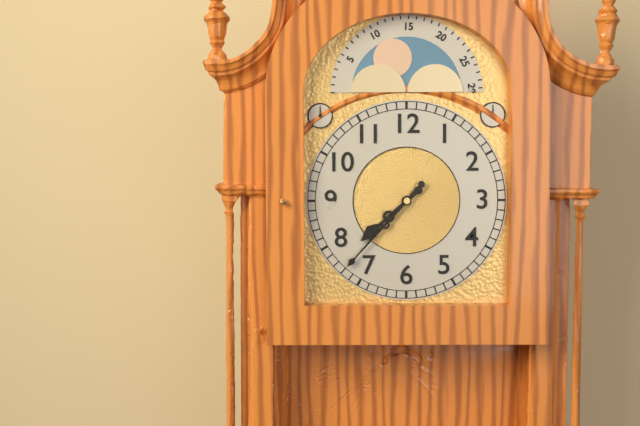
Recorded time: **7:37**
